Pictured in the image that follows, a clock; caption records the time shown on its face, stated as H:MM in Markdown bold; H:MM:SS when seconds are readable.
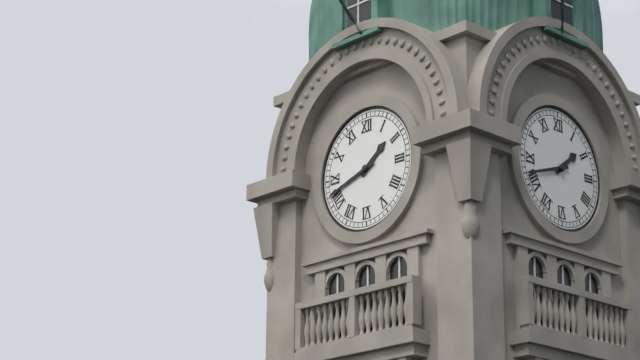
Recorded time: **1:42**
